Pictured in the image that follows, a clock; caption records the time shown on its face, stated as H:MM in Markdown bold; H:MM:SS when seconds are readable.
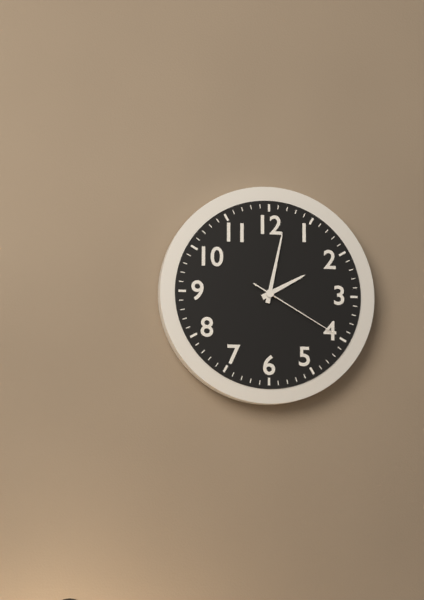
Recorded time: **2:02:20**
